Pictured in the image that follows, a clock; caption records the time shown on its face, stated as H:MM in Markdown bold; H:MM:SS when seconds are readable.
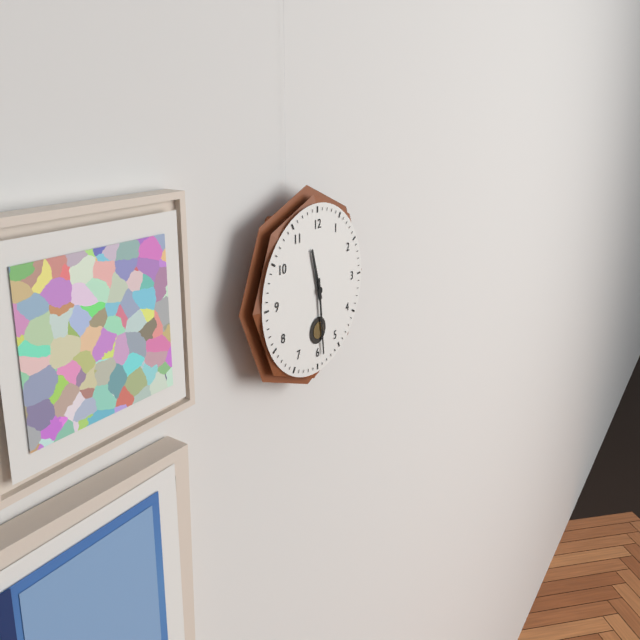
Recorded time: **11:29**
